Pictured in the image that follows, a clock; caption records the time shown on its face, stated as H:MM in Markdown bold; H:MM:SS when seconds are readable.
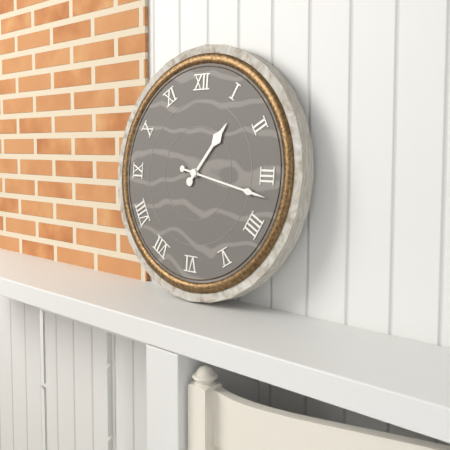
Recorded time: **1:17**
